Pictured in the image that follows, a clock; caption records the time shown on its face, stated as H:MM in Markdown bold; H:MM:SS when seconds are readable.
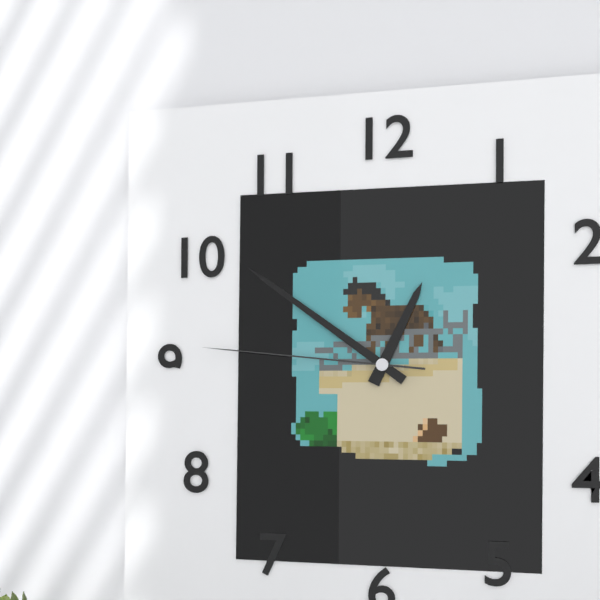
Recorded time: **12:51:46**
